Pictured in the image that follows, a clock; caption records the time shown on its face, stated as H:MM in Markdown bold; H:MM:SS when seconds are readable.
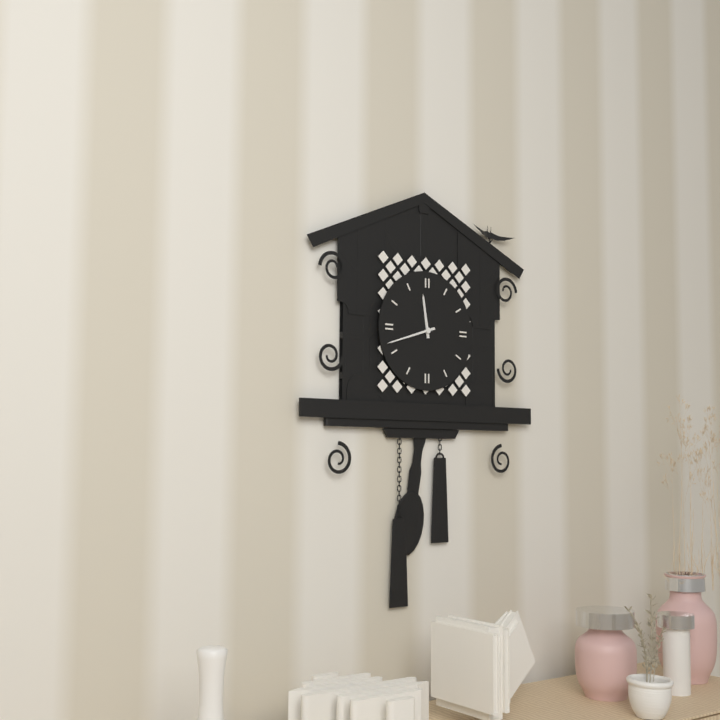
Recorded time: **11:42**
